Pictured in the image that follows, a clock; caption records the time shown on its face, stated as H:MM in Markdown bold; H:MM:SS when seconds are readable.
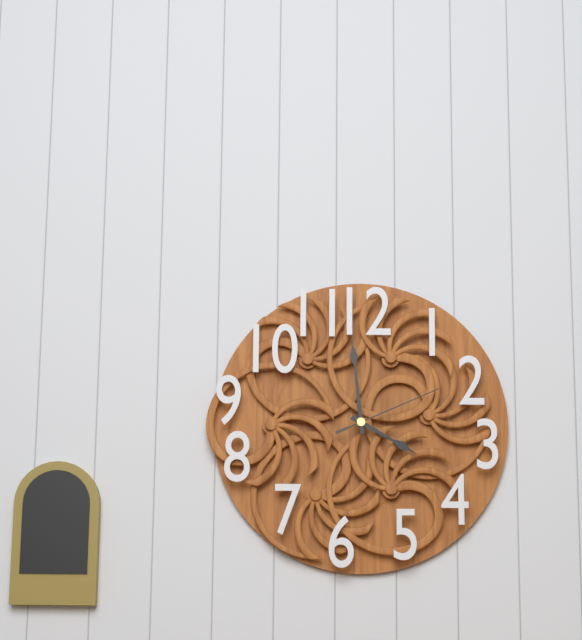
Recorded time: **3:59:11**
